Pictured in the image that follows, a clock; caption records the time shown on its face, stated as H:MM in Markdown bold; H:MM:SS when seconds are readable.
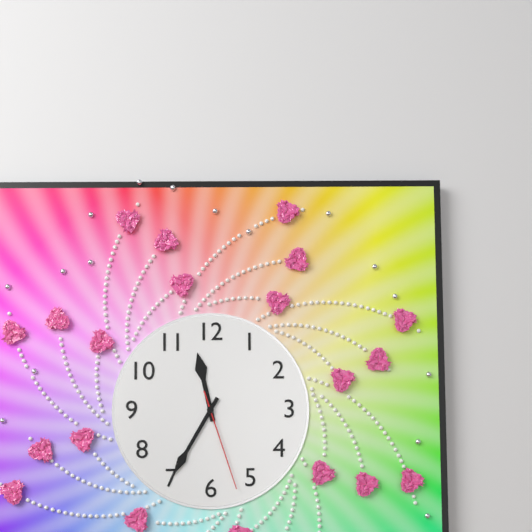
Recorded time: **11:35:27**
